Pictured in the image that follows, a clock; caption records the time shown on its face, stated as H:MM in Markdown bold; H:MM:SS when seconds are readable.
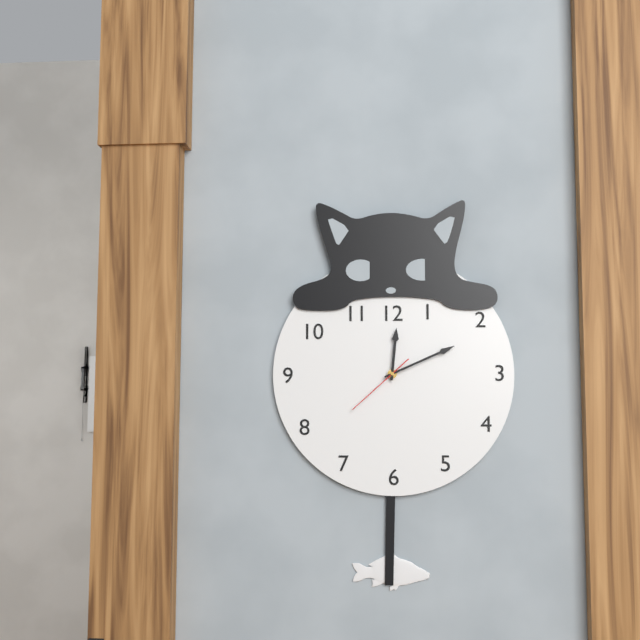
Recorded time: **12:11:38**
